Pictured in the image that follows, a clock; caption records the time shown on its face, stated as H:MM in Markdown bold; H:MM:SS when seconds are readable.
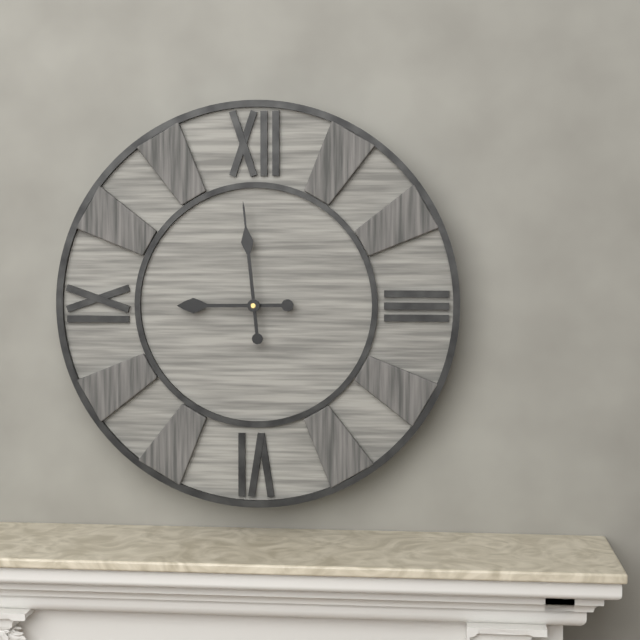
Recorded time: **8:59**
